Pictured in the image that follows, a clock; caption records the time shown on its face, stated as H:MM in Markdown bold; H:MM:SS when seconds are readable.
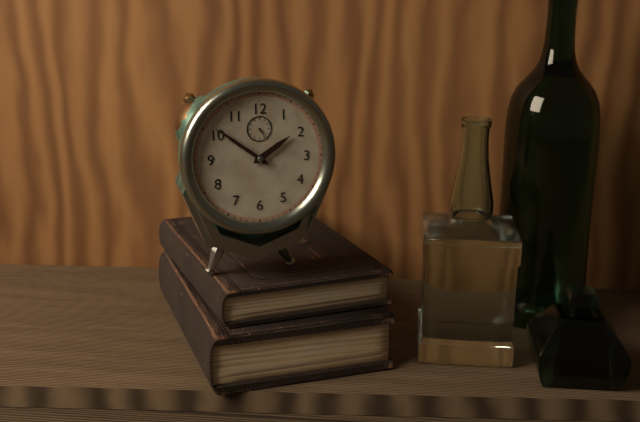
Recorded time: **1:51**
